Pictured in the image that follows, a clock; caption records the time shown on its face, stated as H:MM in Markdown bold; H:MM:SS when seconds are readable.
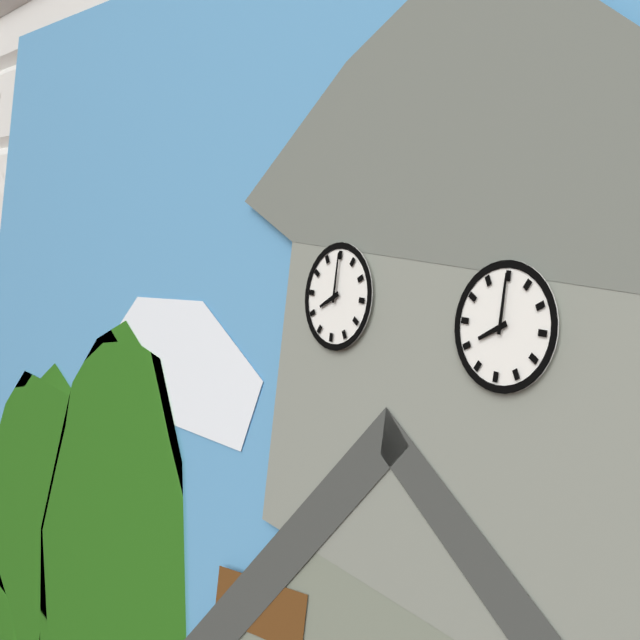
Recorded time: **8:00**
